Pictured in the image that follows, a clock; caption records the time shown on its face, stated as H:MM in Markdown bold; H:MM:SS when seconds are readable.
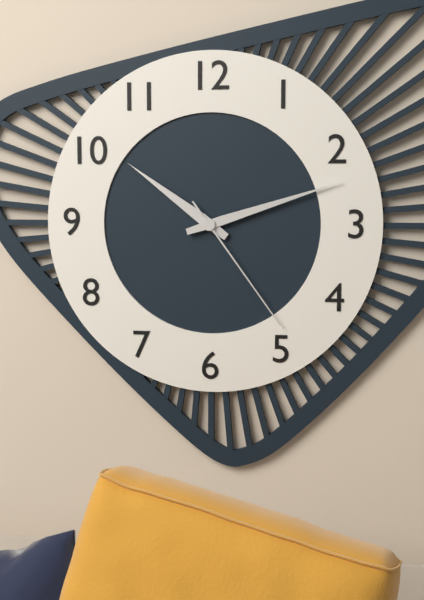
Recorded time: **10:12:24**
